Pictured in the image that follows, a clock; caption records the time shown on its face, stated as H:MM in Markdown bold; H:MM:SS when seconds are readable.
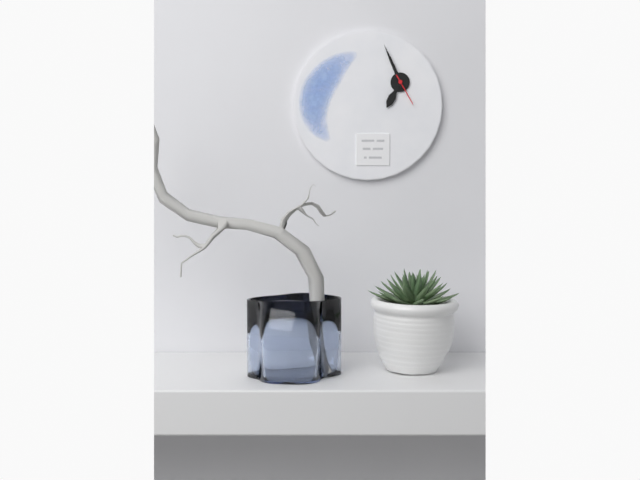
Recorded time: **6:56**
